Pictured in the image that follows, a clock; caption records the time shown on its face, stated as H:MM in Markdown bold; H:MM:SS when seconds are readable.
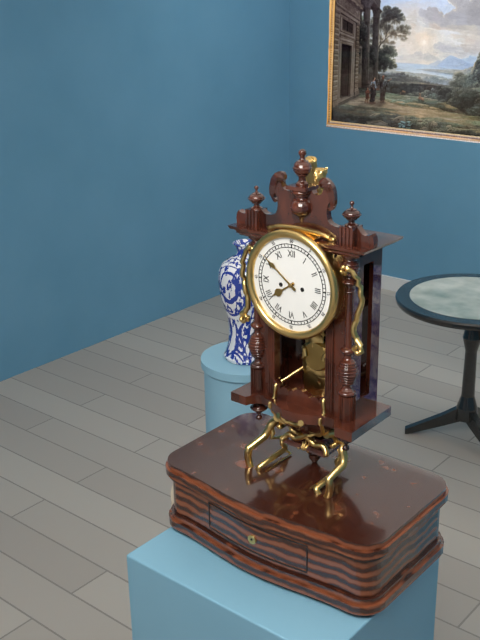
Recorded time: **7:51**
